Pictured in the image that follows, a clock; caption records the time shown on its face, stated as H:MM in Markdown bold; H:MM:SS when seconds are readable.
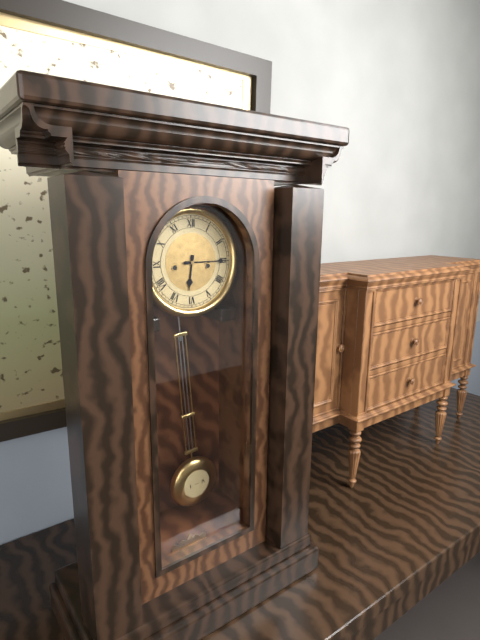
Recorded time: **6:15**
